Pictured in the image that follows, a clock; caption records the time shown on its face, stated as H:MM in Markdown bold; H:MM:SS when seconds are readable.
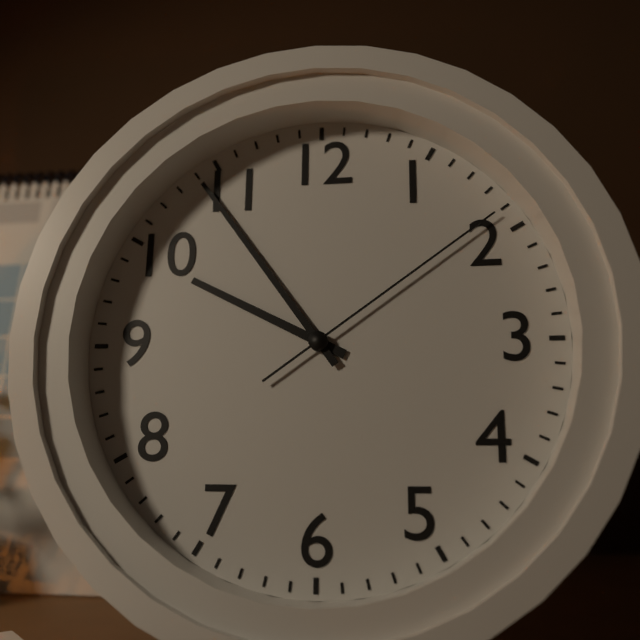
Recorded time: **9:54:09**
